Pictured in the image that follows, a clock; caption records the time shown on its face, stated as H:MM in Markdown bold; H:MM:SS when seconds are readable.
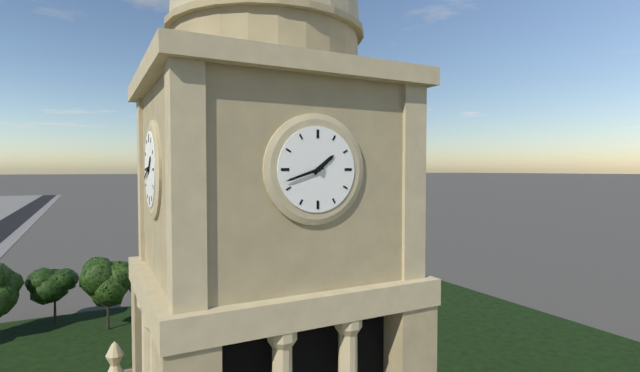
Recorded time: **1:42**
